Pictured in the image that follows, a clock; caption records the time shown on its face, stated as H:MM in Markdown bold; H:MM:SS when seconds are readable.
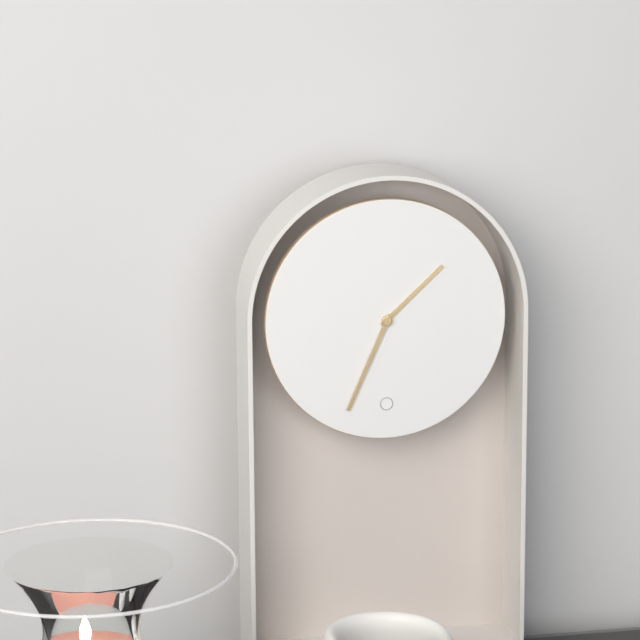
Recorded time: **1:34**
